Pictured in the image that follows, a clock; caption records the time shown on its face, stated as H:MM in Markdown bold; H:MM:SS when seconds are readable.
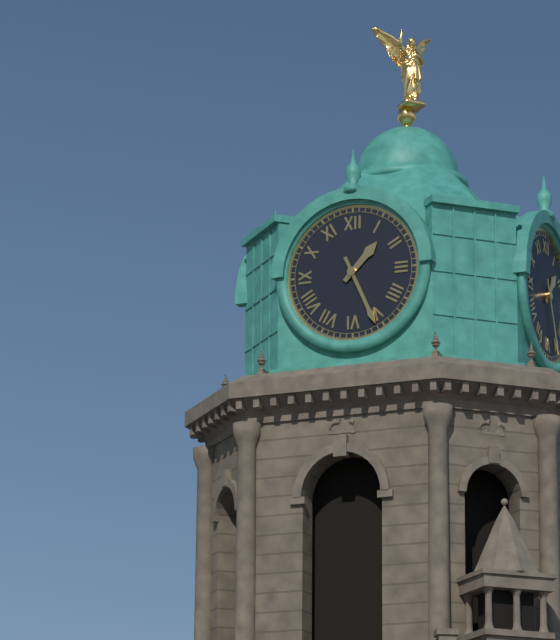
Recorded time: **1:26**
